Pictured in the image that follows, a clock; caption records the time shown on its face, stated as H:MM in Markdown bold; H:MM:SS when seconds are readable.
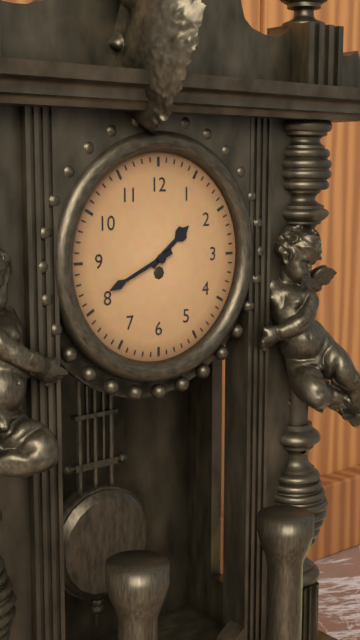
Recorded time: **1:41**
